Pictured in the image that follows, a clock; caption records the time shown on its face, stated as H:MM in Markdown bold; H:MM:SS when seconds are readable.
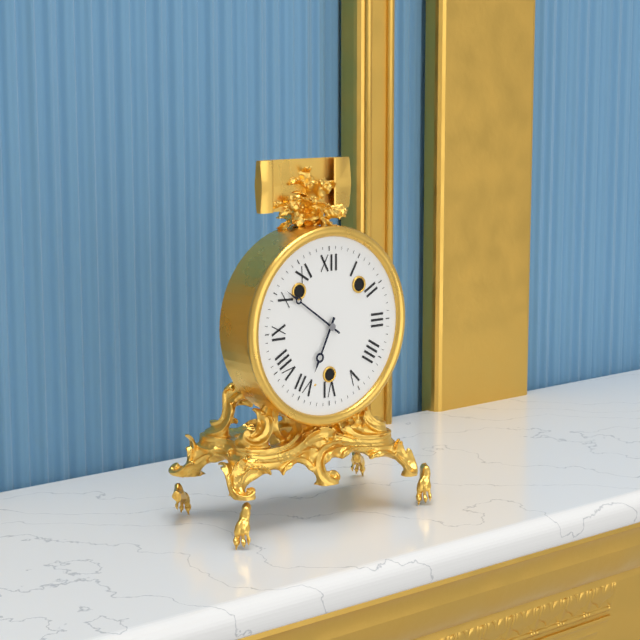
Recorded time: **6:51**
